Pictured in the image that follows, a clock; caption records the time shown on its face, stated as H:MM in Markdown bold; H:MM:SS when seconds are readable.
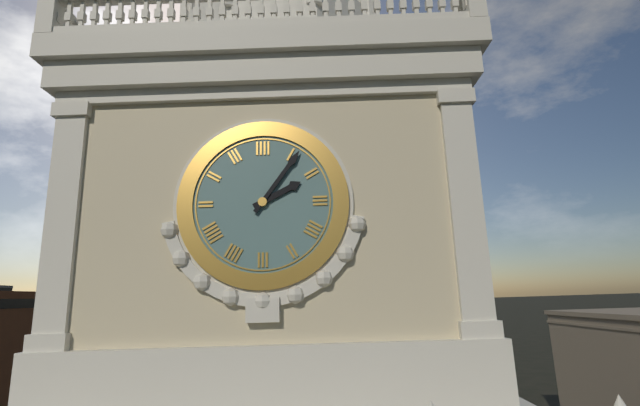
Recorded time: **2:06**
